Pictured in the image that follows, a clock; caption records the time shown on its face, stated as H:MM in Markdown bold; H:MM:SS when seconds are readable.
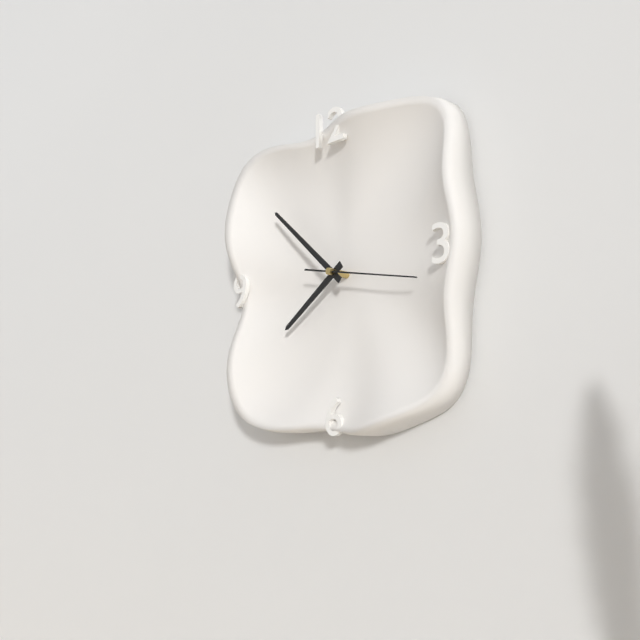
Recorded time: **7:52:17**
